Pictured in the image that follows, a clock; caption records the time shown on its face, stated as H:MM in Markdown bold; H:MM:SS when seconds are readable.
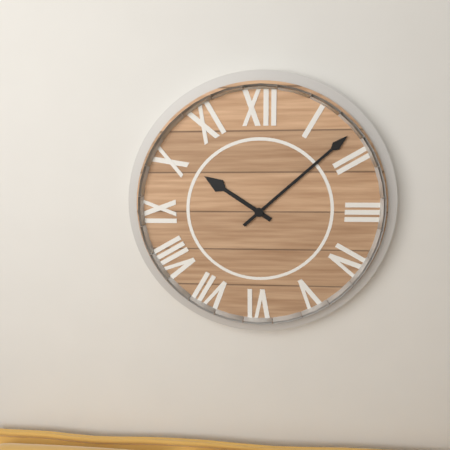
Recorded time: **10:08**
